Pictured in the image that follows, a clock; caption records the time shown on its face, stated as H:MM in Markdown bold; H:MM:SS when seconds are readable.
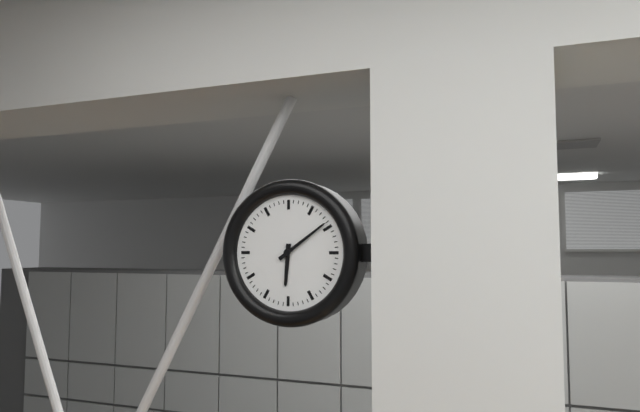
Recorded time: **6:09**
